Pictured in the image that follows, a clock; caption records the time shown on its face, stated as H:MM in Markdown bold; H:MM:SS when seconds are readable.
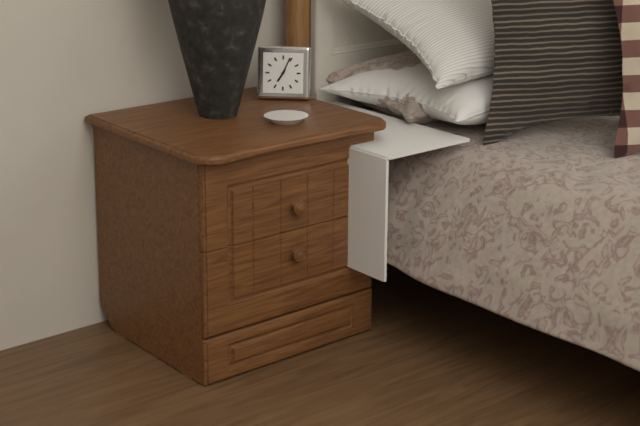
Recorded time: **7:04**
